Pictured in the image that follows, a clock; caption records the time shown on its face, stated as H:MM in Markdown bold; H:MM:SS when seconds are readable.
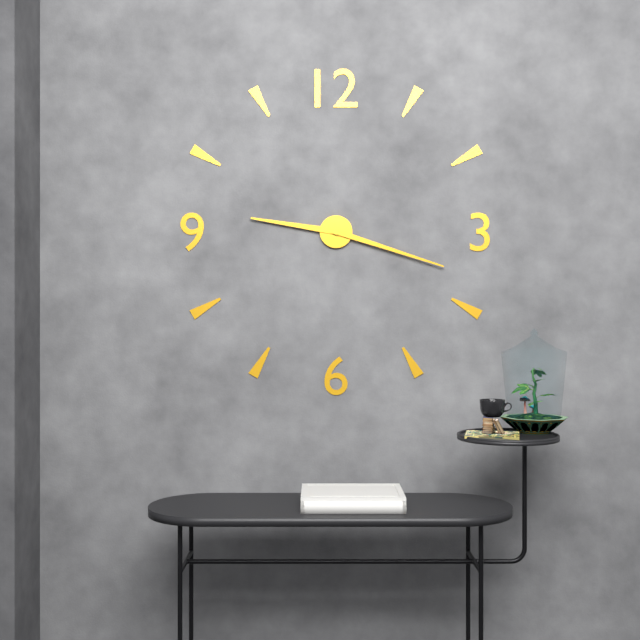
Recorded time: **9:18**
